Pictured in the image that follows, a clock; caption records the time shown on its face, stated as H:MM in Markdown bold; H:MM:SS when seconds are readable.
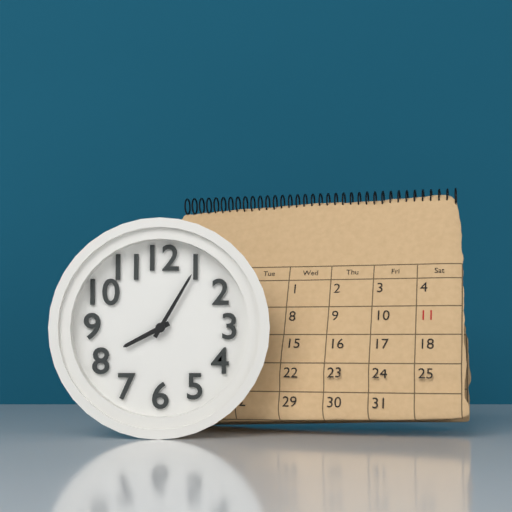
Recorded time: **8:05**
